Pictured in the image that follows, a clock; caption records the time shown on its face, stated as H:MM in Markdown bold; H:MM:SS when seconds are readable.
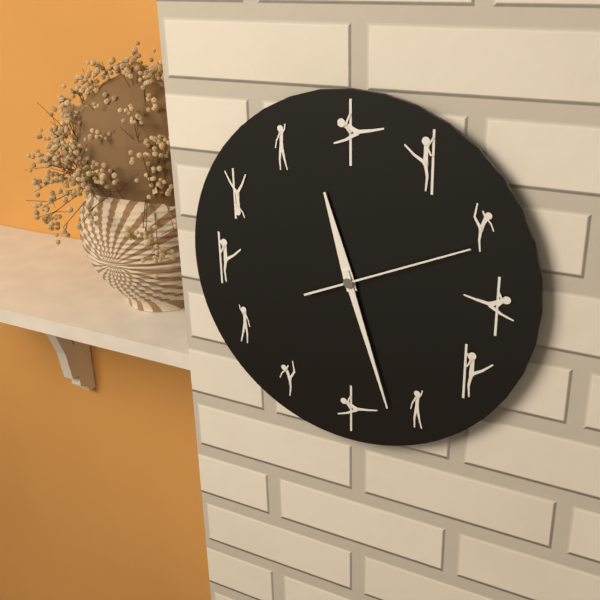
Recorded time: **11:27:11**
